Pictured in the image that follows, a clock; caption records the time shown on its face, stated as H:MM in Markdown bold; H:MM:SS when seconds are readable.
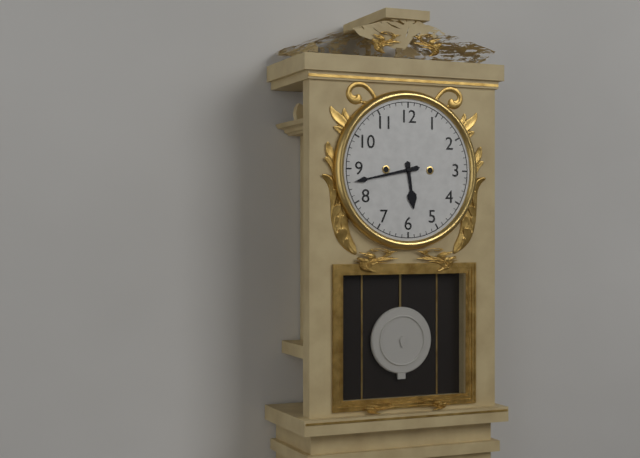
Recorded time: **5:43**
